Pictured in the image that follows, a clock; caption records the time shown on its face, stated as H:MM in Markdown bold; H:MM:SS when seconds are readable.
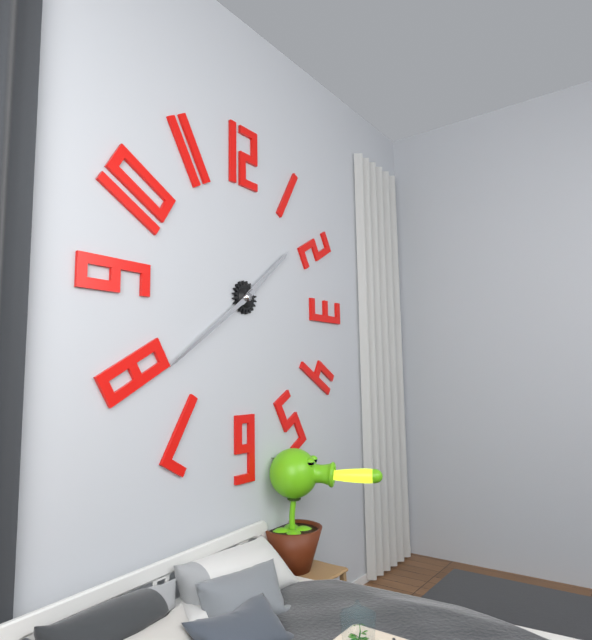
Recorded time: **1:39**
